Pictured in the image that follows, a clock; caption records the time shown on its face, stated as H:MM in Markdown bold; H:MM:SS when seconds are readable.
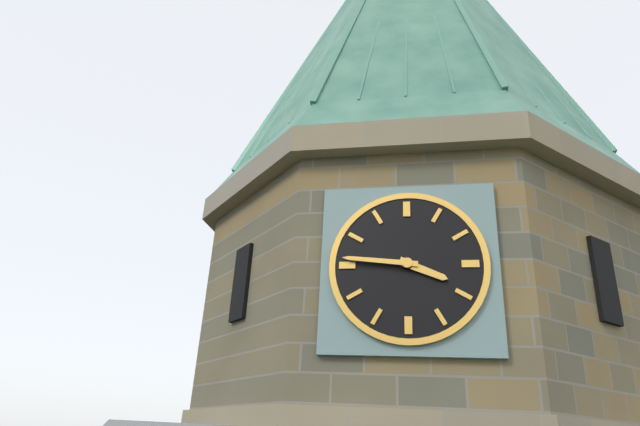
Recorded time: **3:46**
